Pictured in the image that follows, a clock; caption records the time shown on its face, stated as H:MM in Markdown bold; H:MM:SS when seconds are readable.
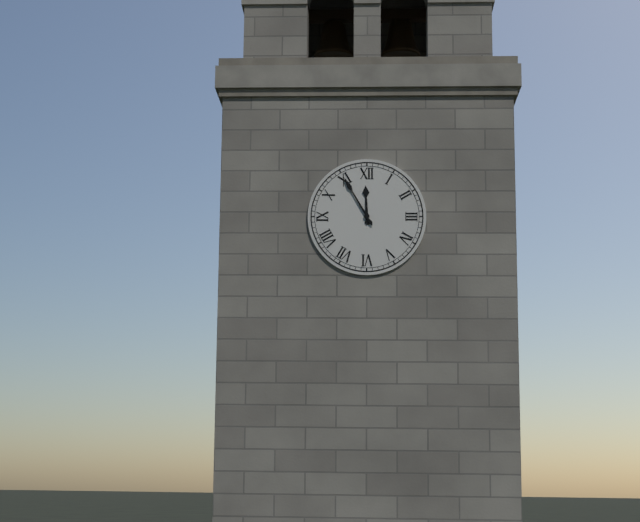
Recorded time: **11:55**
